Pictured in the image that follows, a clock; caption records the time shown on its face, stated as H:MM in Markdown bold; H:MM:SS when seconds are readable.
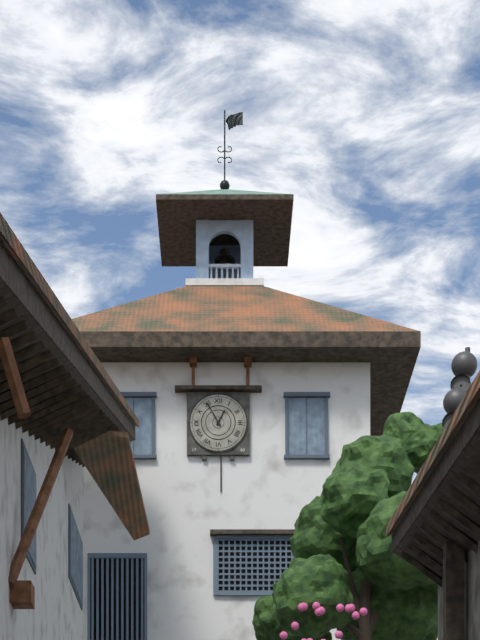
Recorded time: **12:55**
